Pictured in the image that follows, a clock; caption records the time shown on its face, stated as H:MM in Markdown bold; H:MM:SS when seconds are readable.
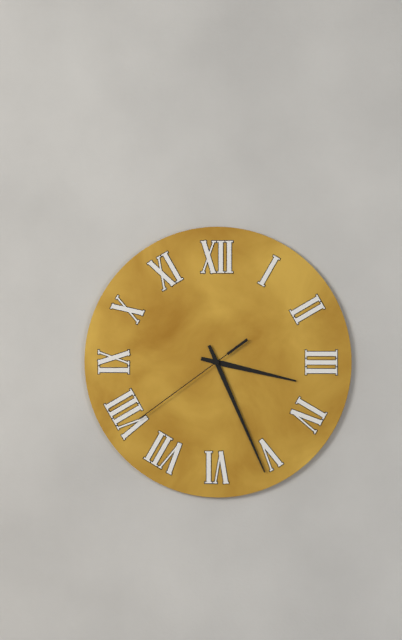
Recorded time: **3:26:39**
